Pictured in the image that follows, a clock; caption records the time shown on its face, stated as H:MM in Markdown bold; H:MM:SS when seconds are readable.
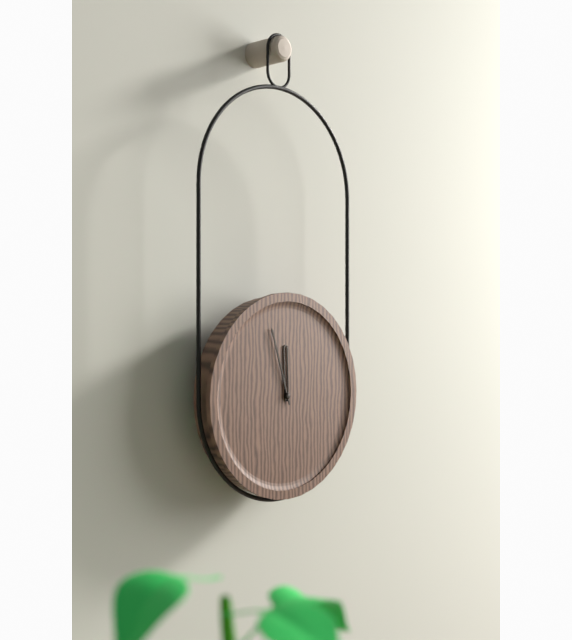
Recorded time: **11:57**
